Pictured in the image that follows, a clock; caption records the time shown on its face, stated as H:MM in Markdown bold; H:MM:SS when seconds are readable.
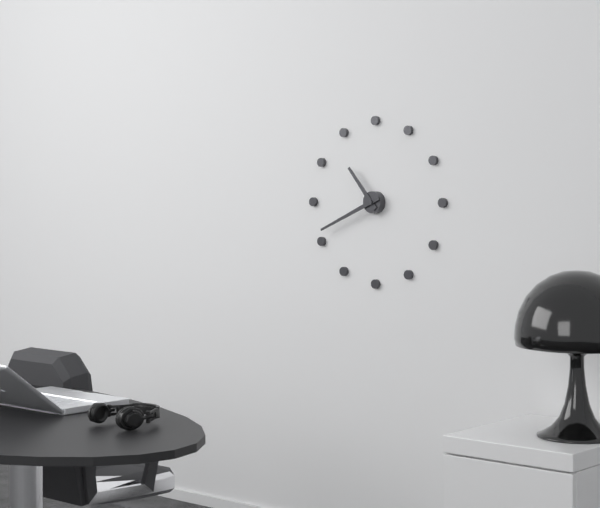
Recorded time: **10:41**
